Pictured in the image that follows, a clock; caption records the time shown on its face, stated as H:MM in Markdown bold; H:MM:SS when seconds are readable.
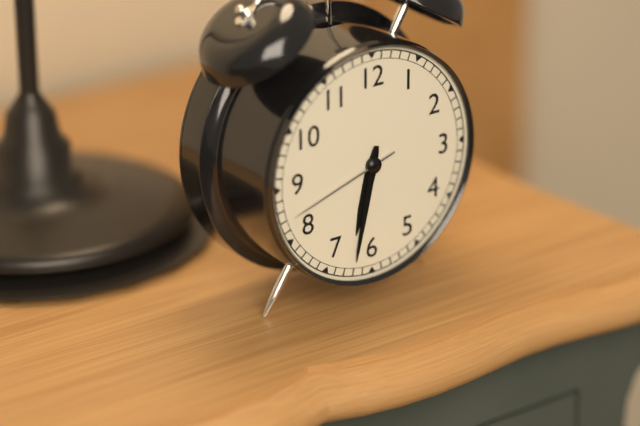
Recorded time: **6:32:42**
